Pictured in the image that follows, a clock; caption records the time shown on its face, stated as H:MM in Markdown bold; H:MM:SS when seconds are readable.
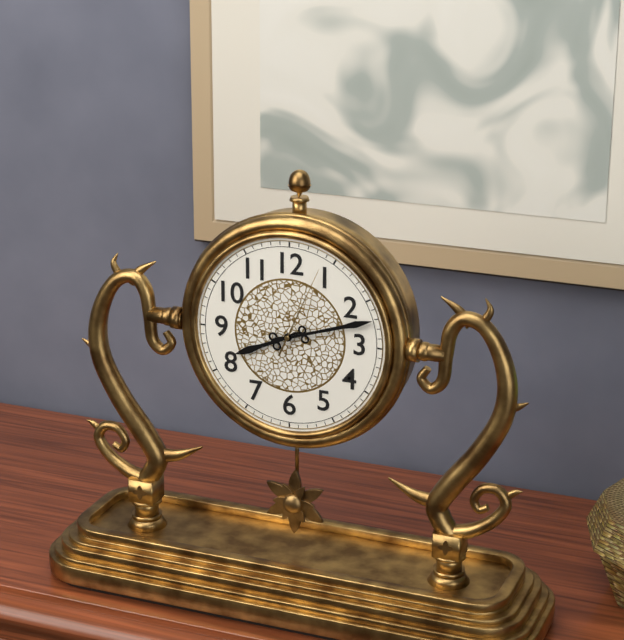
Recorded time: **8:12:04**
